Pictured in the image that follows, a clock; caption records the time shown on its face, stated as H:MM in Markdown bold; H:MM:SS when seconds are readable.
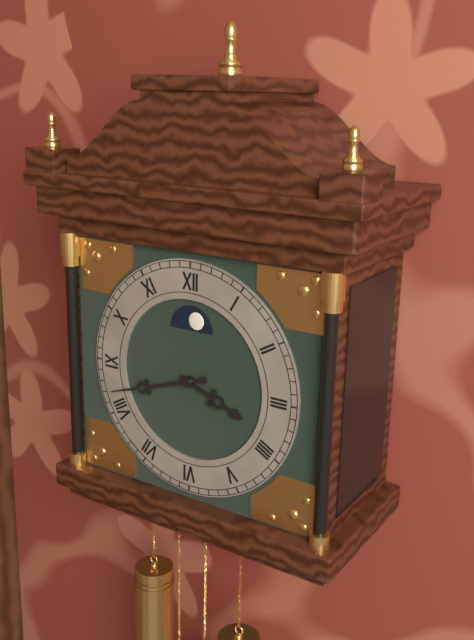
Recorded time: **3:42**
